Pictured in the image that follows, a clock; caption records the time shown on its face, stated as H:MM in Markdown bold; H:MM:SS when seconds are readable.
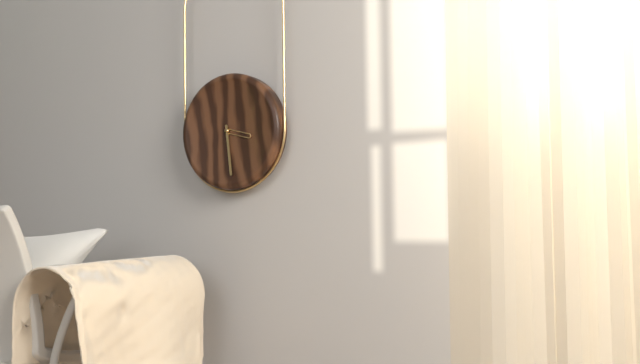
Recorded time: **3:29**
